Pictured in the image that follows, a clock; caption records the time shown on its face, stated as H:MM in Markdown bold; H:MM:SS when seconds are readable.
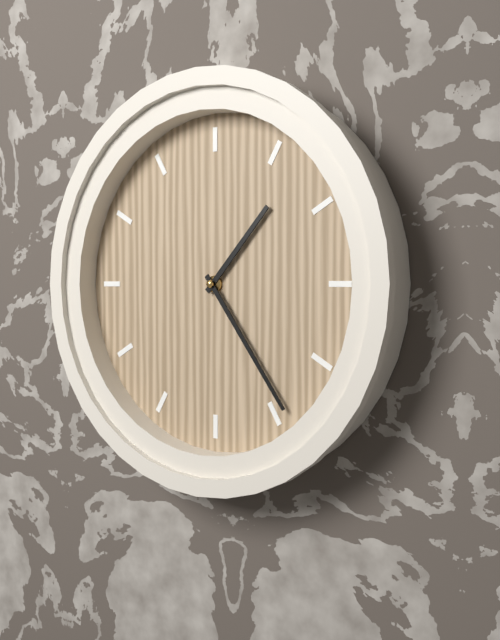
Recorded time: **1:24**
